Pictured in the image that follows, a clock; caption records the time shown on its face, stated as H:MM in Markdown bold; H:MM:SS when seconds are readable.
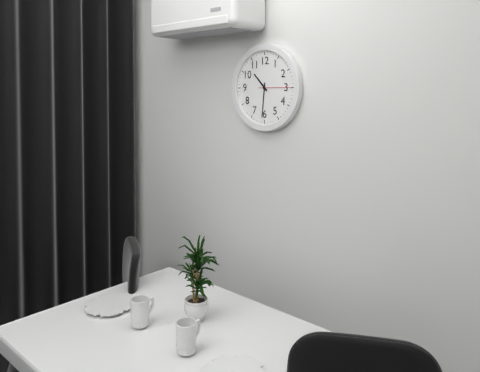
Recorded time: **10:31**
